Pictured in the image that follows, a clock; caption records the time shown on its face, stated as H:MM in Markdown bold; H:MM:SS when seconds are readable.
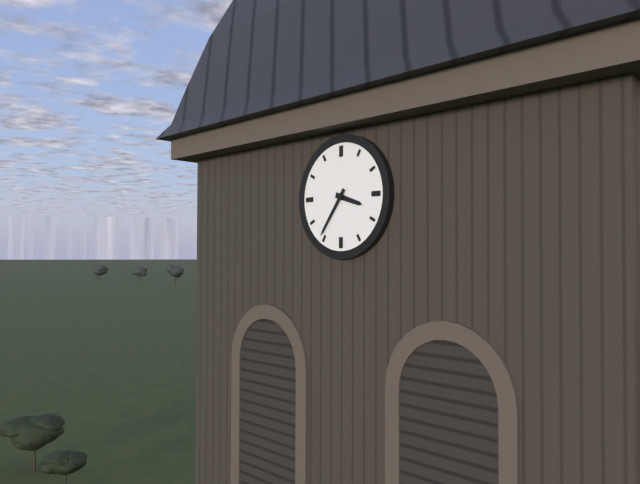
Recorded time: **3:36**
